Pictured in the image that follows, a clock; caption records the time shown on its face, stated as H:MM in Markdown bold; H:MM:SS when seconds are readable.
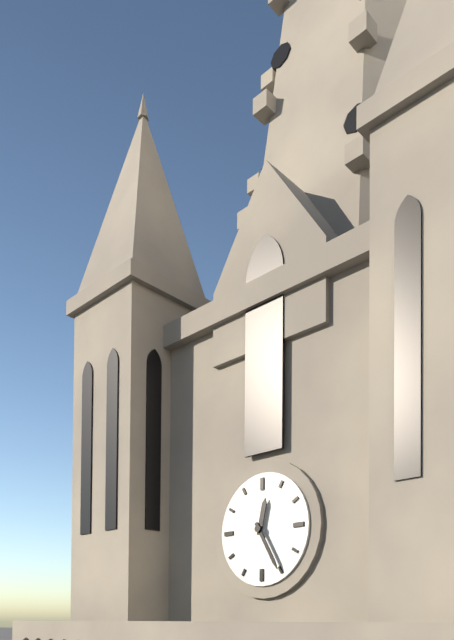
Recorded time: **12:25**
